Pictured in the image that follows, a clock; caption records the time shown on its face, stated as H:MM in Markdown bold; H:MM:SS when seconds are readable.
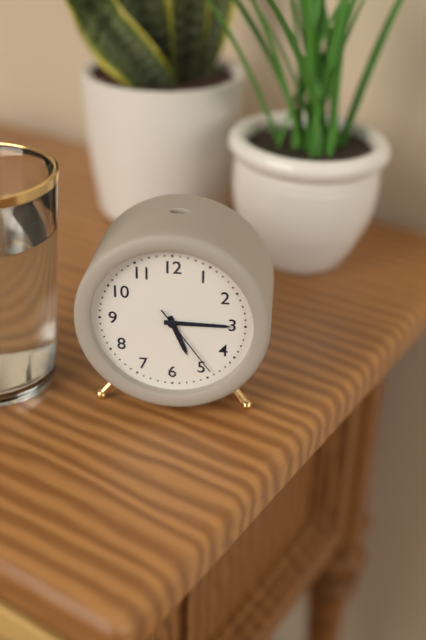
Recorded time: **5:15:24**
